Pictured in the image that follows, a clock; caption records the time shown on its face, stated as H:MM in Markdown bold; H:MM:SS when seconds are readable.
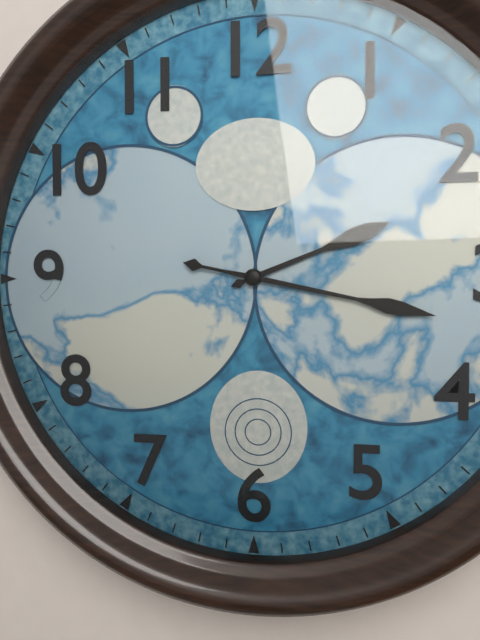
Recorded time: **2:17**
